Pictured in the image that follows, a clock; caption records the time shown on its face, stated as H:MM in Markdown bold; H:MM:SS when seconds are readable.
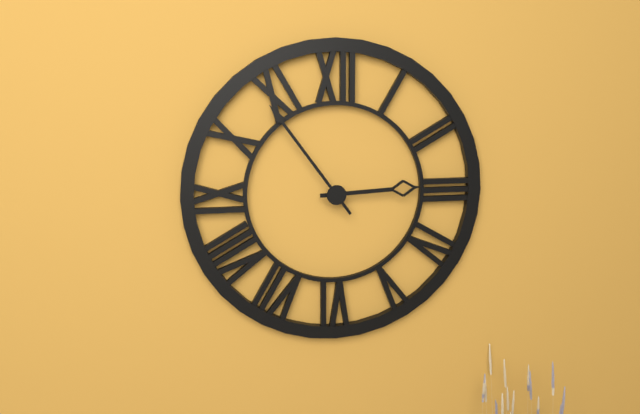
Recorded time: **2:54**
